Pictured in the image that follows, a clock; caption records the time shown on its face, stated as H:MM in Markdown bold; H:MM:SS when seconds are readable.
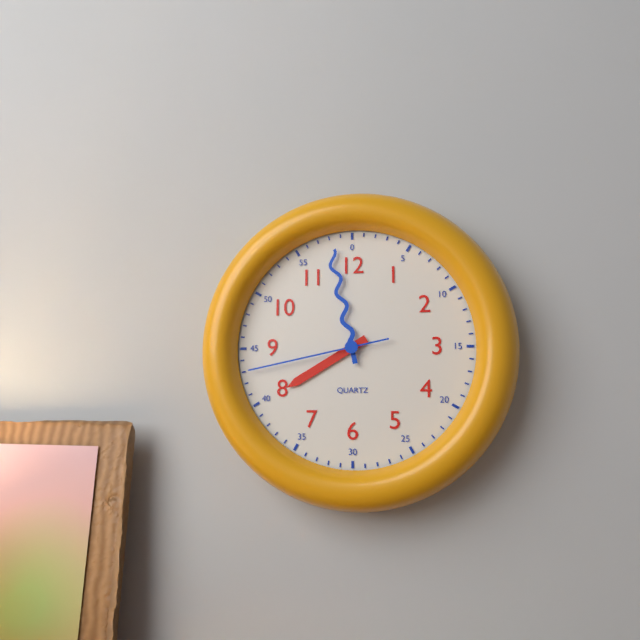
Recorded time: **7:58:43**
